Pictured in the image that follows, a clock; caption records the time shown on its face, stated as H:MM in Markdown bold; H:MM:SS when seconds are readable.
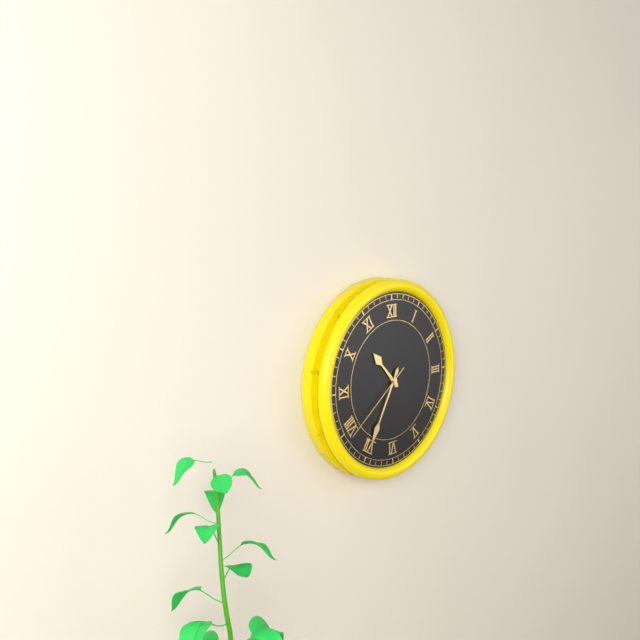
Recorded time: **10:35:39**
